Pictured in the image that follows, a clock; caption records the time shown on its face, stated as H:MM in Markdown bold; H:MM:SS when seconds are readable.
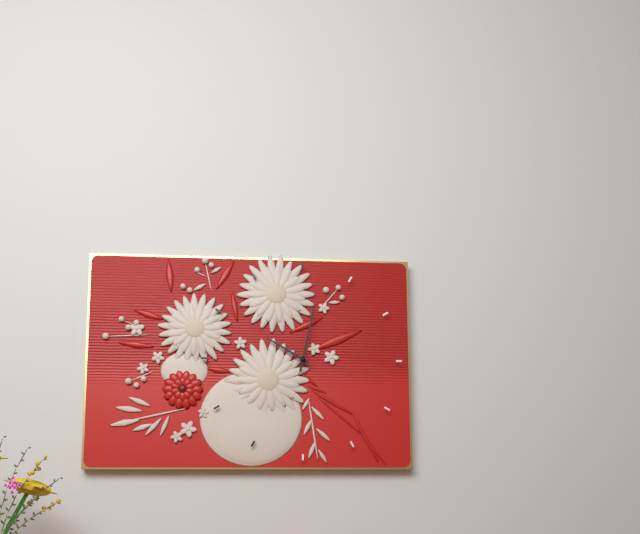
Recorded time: **10:02**
